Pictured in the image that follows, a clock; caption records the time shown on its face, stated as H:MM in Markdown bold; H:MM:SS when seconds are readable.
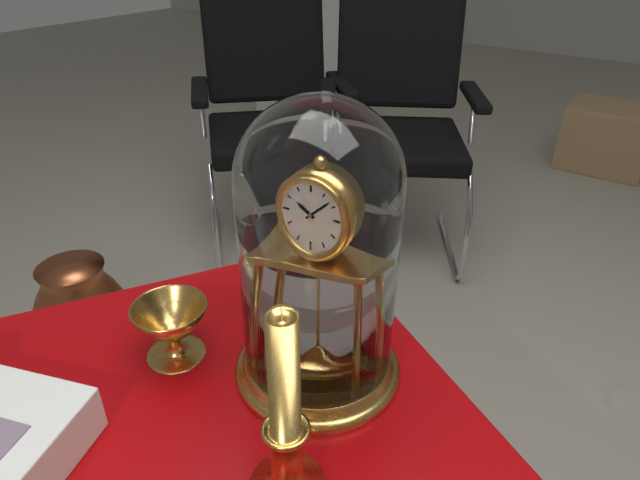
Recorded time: **10:08**
